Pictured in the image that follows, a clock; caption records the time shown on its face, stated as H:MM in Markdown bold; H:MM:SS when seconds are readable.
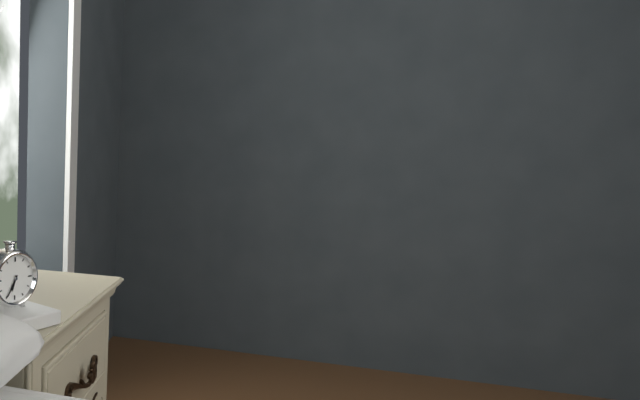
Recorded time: **6:35**
